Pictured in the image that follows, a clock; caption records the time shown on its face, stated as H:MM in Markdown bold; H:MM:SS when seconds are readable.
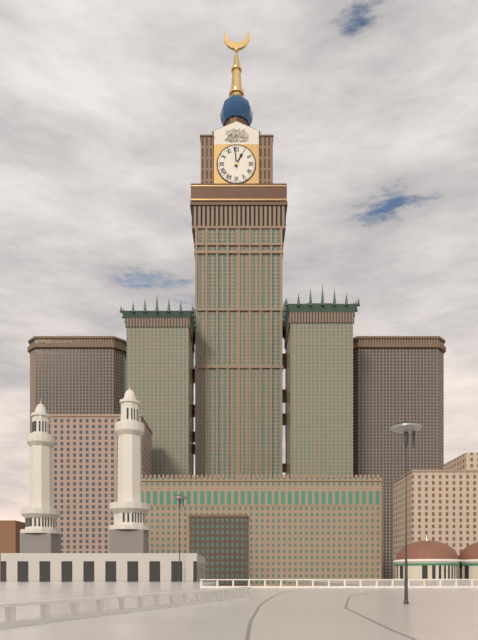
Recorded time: **12:59**
